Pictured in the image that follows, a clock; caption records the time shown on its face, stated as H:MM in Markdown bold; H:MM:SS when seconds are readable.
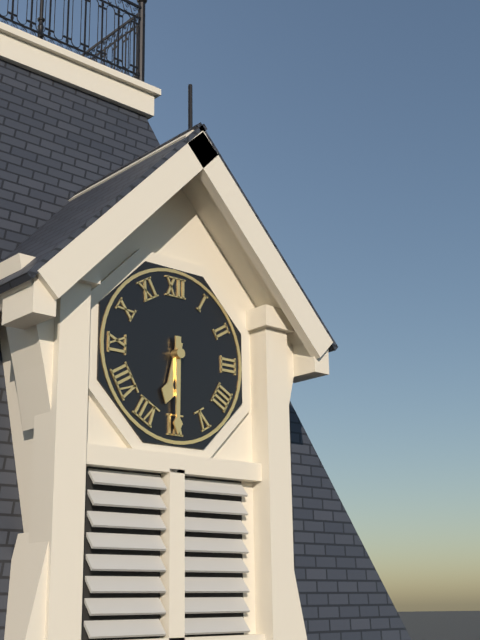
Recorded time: **6:30**
